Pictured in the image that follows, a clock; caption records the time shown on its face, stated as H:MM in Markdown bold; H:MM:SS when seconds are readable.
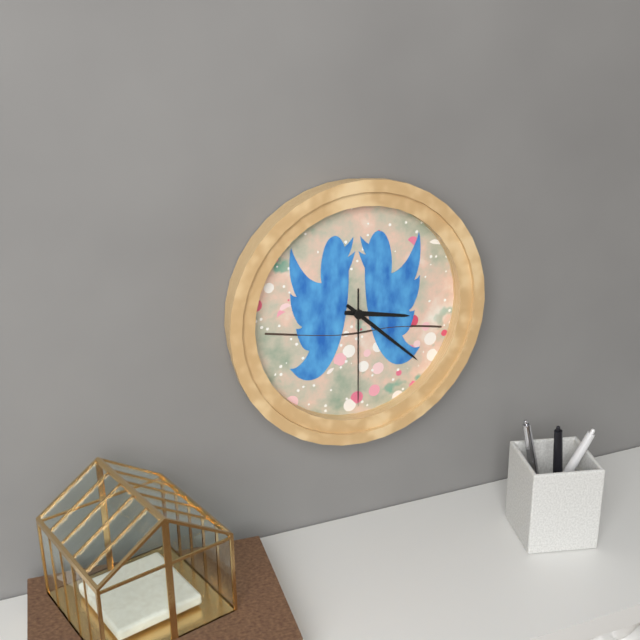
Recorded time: **3:22:30**
